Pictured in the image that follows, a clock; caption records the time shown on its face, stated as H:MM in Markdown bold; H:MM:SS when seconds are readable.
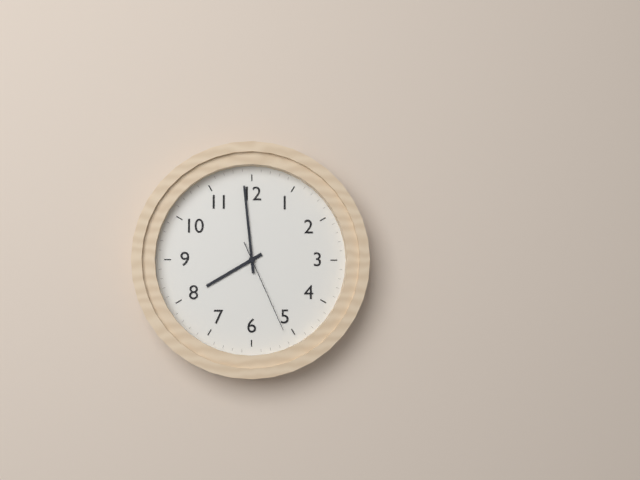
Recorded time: **7:59:26**
